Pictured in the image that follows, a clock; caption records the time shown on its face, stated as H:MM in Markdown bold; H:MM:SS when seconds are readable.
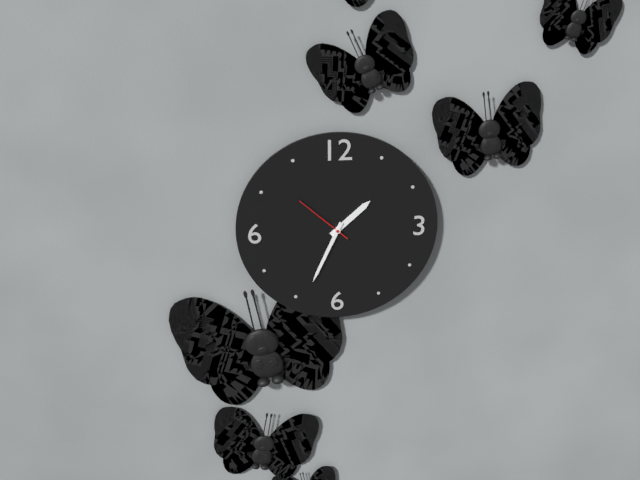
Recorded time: **1:34:52**
